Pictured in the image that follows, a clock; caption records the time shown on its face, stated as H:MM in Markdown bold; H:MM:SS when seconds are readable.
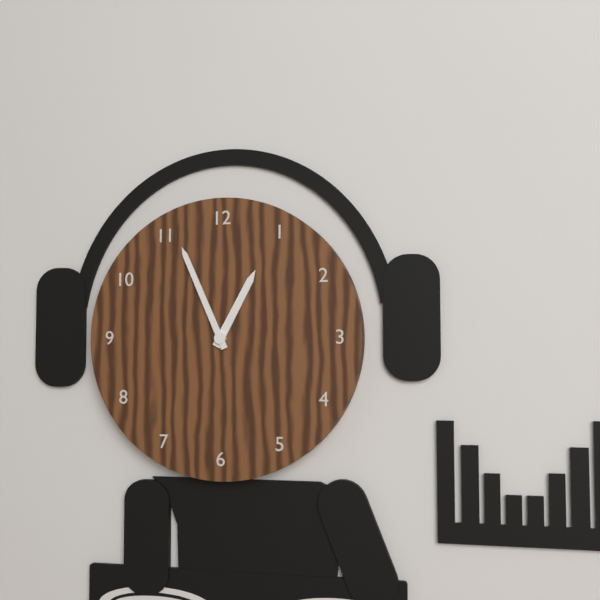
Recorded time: **12:56**
